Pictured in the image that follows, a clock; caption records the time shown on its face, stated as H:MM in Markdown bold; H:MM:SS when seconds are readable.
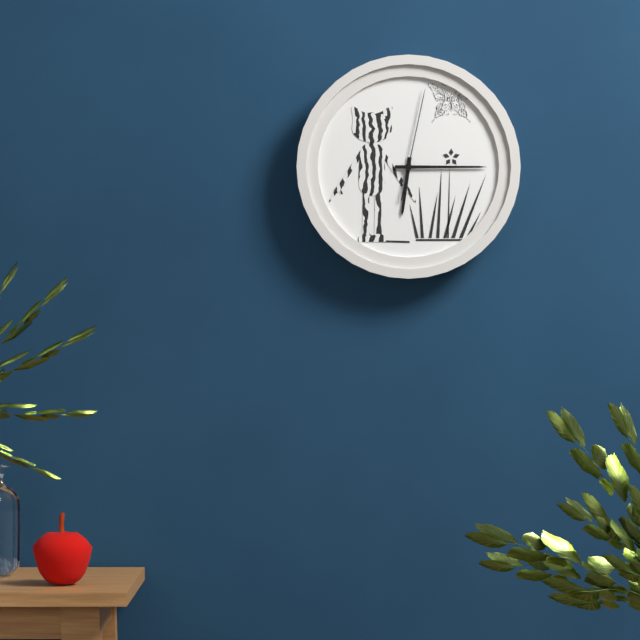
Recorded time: **6:15:02**
